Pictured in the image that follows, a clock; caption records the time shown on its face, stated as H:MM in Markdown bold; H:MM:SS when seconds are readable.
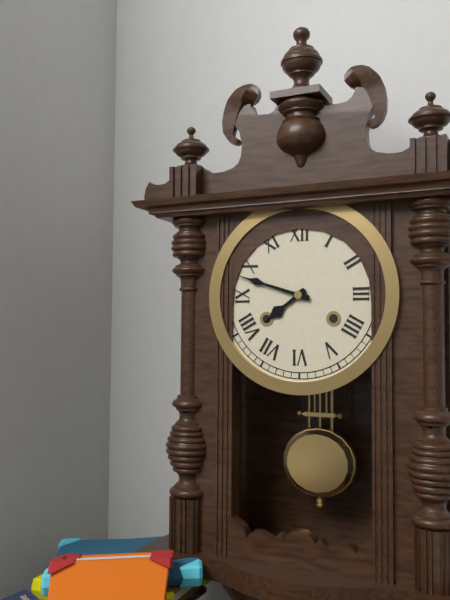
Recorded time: **7:48**
